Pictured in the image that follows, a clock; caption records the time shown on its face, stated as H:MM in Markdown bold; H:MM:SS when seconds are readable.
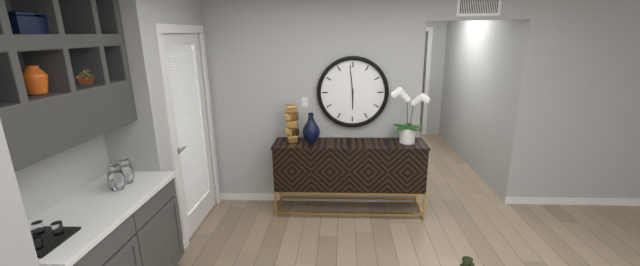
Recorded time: **5:59**
